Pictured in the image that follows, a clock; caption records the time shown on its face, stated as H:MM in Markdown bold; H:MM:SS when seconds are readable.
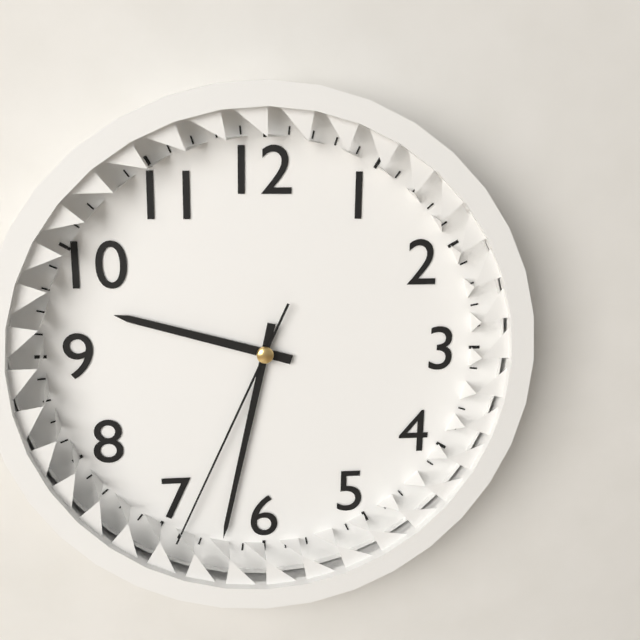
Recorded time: **9:32:34**
